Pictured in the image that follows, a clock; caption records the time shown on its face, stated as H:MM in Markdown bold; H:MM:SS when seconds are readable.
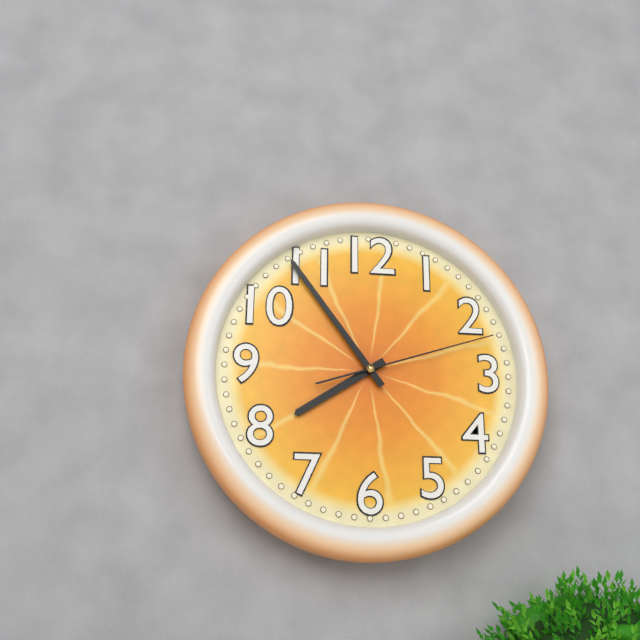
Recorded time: **7:54:12**
